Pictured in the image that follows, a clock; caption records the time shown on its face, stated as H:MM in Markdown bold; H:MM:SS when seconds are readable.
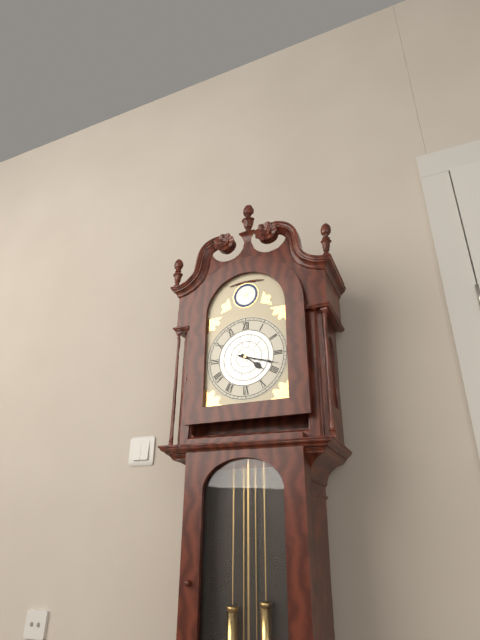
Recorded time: **4:18**
